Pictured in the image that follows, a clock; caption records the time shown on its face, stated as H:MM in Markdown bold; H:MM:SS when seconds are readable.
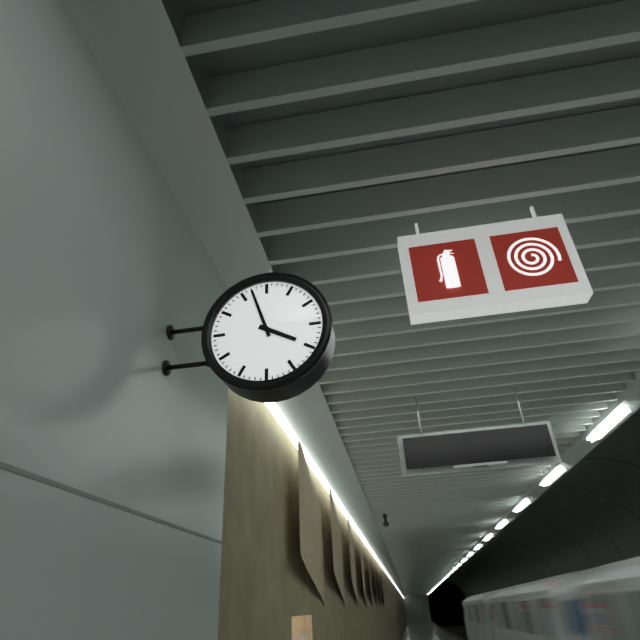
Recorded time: **3:57**
